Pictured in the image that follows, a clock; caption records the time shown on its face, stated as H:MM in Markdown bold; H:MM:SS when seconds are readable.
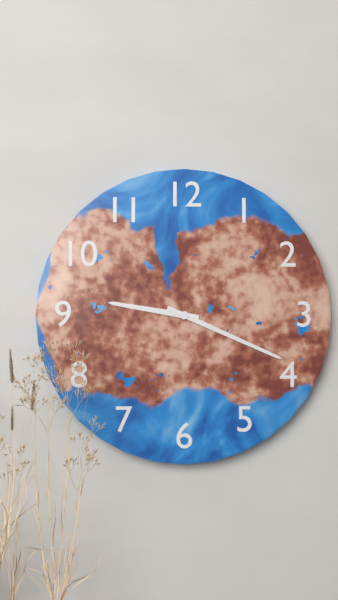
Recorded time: **9:19**
